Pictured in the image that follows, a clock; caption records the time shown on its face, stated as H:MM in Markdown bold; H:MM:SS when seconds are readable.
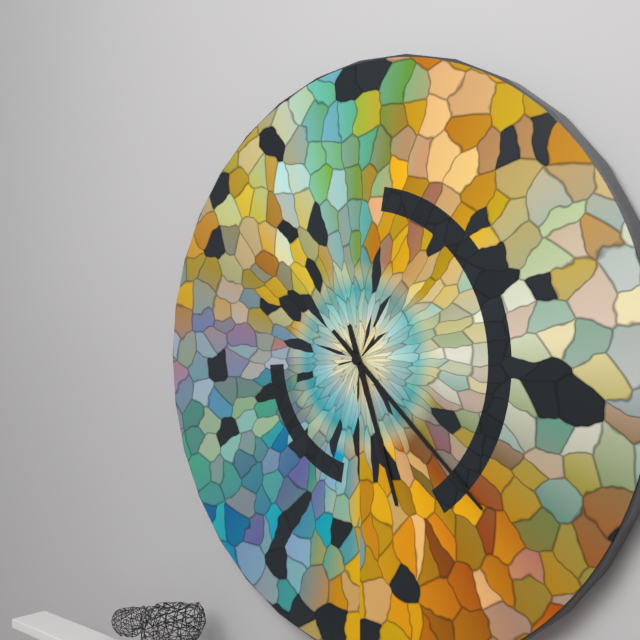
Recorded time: **5:22**
